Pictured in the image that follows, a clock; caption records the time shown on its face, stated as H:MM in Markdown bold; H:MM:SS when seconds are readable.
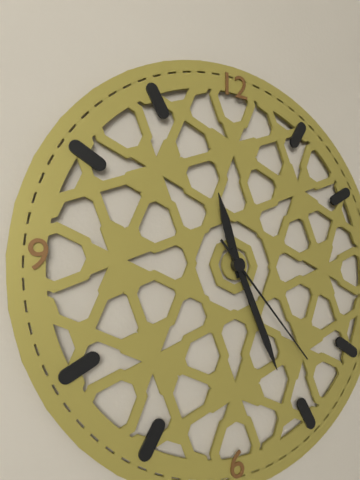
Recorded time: **11:26:23**
